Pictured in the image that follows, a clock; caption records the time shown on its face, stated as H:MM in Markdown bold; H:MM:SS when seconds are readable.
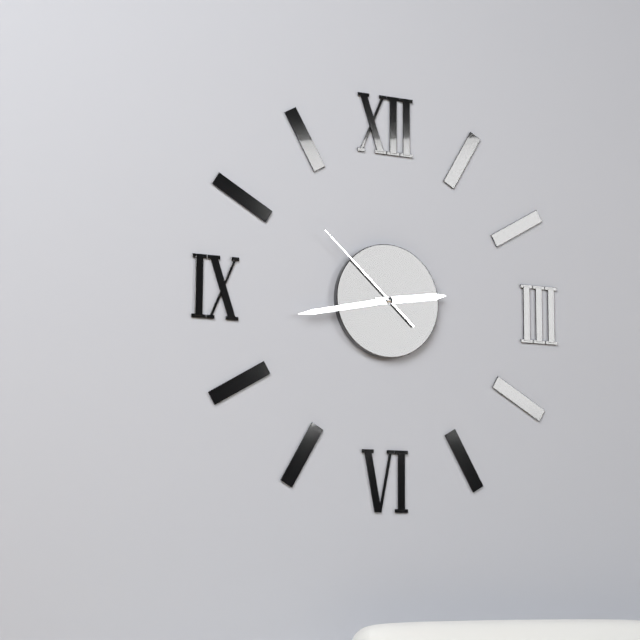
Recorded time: **2:43:52**
